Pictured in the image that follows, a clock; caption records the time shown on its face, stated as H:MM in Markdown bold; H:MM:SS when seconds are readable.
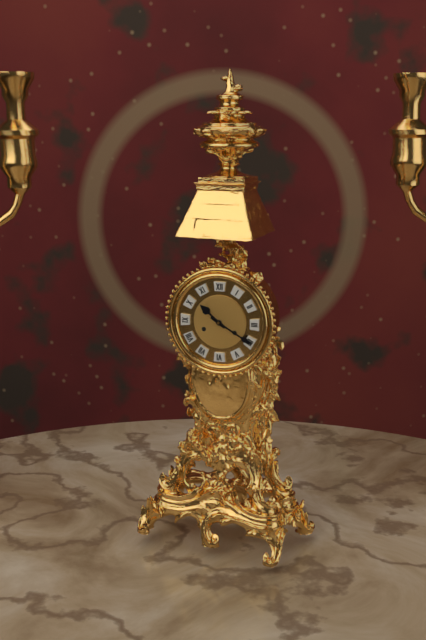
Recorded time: **10:20**
